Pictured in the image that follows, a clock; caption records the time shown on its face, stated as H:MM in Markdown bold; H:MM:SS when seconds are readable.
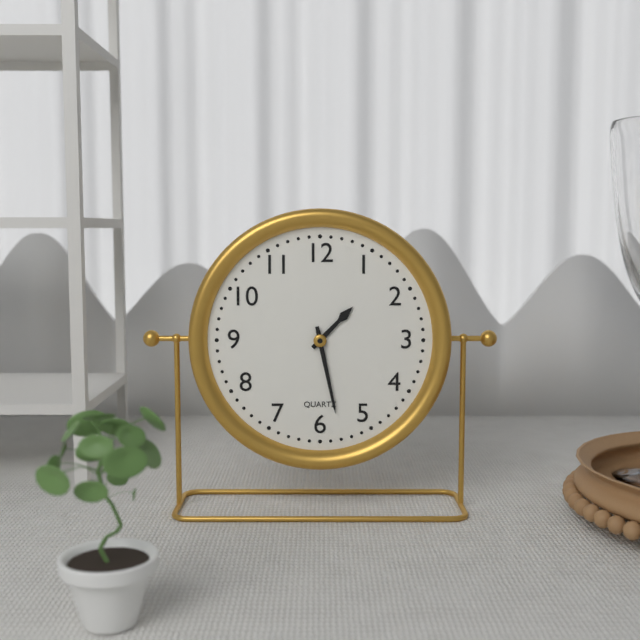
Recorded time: **1:28**
